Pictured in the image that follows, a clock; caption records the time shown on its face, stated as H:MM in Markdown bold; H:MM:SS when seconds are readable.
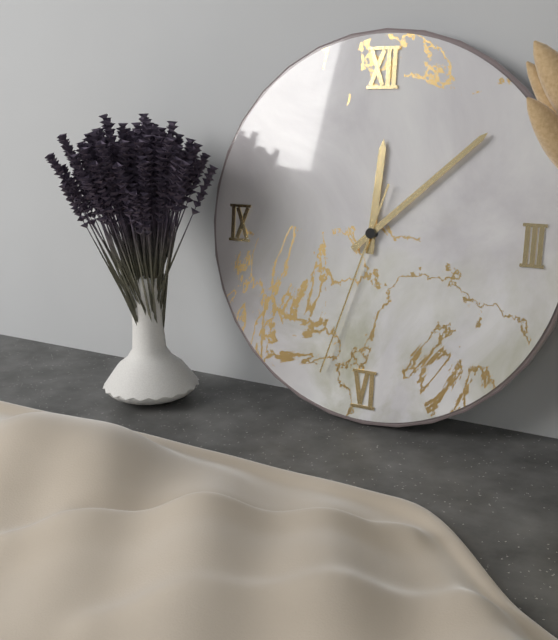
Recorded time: **12:08:33**
